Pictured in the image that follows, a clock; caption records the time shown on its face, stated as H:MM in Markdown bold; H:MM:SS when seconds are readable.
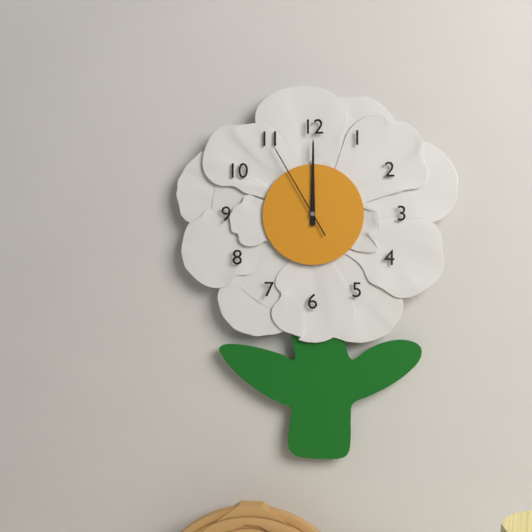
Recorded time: **12:00:55**
